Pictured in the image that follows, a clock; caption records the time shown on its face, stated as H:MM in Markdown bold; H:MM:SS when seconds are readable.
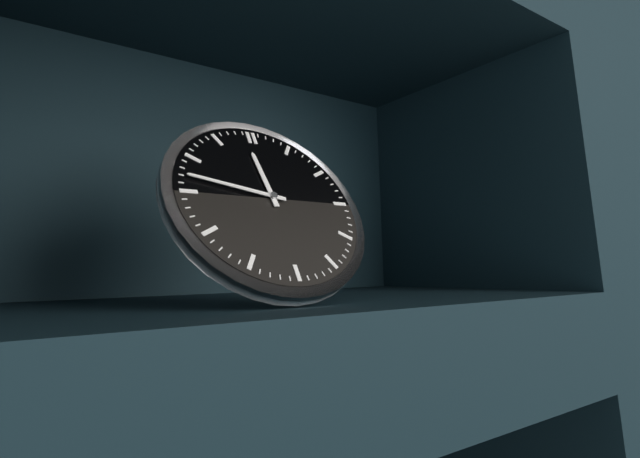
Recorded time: **11:47**
